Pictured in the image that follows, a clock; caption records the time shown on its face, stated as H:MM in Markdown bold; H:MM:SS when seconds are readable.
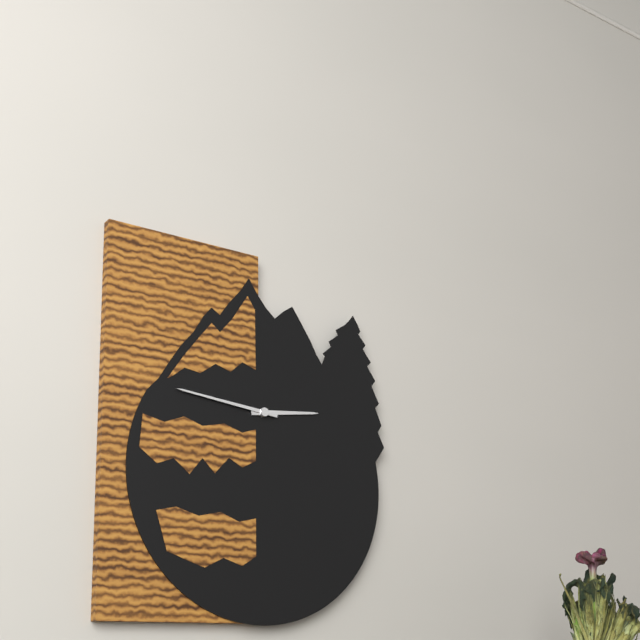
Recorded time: **2:46**
